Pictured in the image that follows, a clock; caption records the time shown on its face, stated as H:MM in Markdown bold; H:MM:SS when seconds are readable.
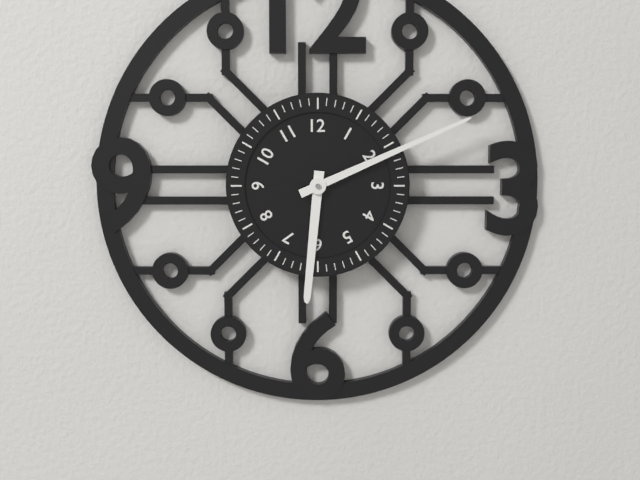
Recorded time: **6:11**
